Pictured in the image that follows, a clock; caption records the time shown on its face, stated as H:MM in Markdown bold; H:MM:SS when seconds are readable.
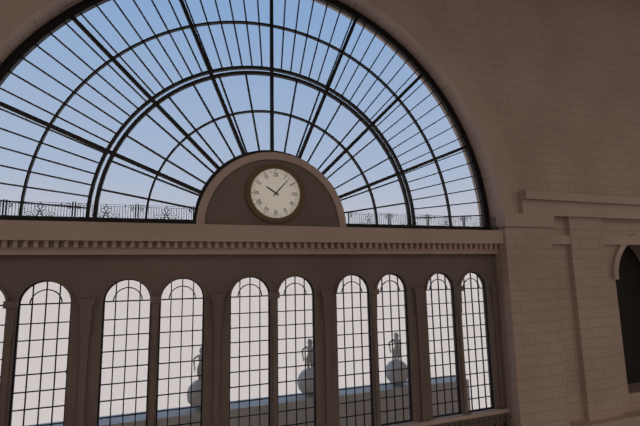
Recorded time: **10:07**
